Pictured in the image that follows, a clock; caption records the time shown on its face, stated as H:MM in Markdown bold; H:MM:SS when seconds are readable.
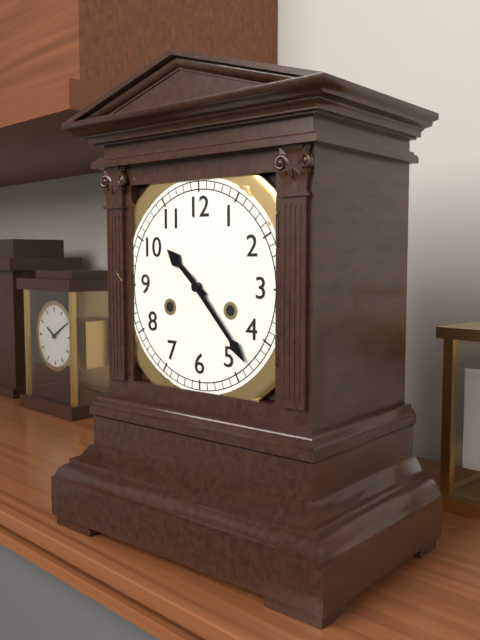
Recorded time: **10:23**
